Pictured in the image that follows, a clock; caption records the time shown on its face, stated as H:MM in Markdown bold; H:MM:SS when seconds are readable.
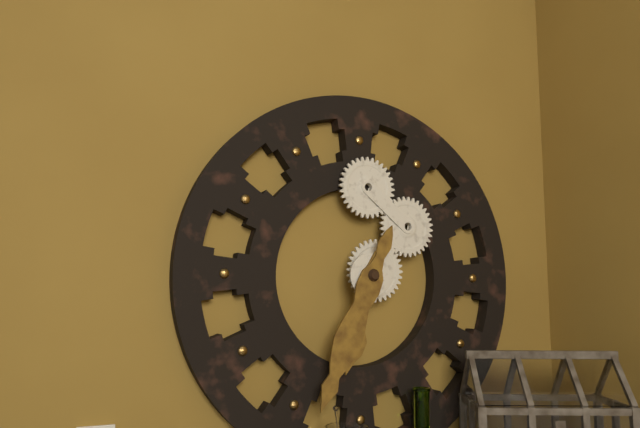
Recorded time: **6:34**
